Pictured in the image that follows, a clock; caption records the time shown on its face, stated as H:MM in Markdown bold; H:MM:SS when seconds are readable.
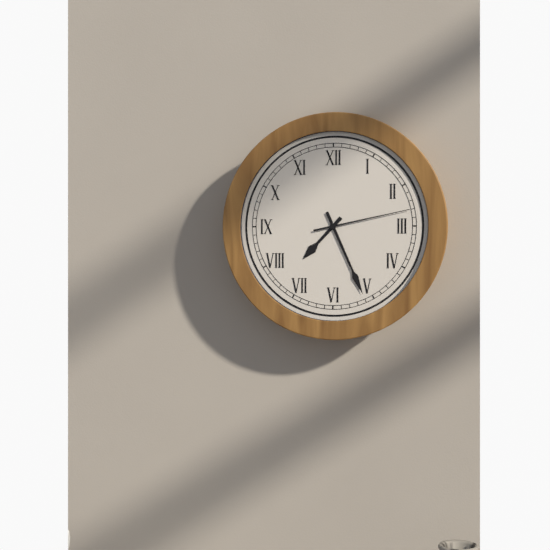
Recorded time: **7:26:13**
